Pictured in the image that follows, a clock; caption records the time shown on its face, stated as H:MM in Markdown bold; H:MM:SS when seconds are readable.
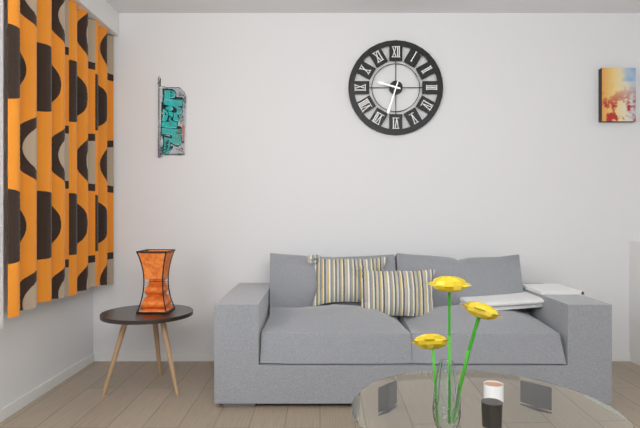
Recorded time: **9:33**
